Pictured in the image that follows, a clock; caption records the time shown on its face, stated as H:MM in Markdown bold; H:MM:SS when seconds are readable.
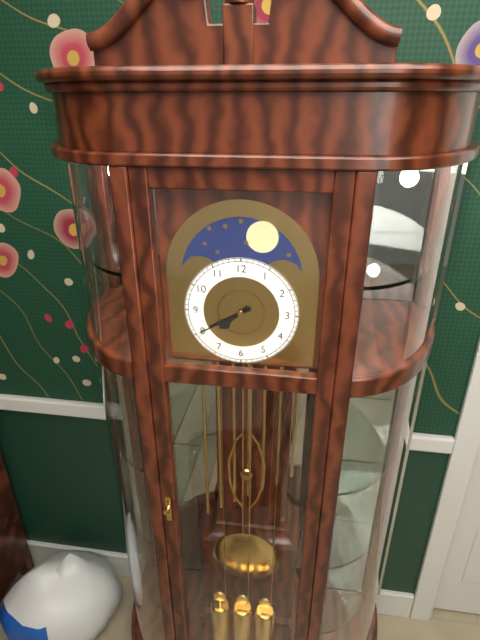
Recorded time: **7:40**
